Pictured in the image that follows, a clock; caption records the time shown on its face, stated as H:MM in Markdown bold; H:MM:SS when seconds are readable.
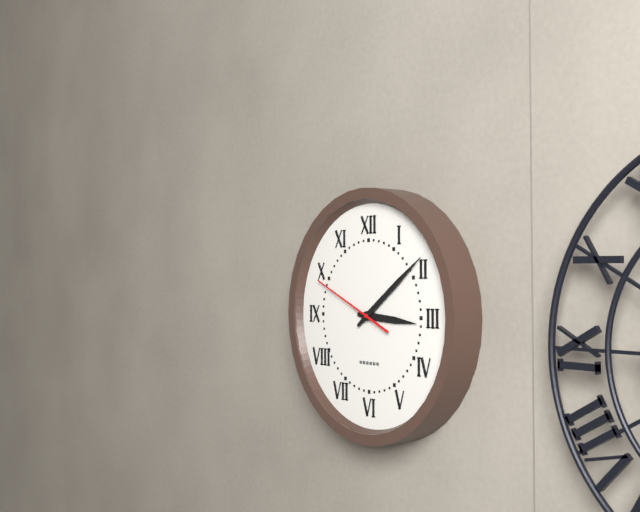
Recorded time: **3:09:49**
